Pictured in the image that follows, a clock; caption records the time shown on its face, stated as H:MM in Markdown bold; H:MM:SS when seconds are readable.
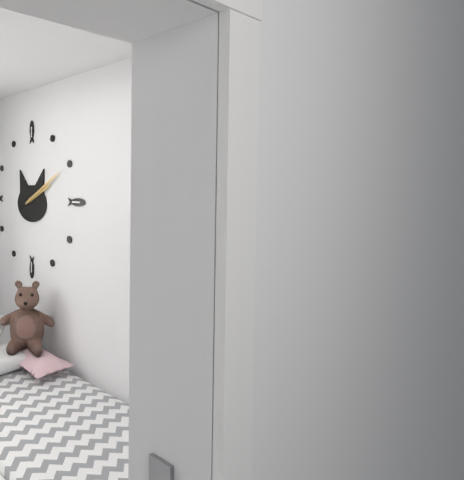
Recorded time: **2:10**
